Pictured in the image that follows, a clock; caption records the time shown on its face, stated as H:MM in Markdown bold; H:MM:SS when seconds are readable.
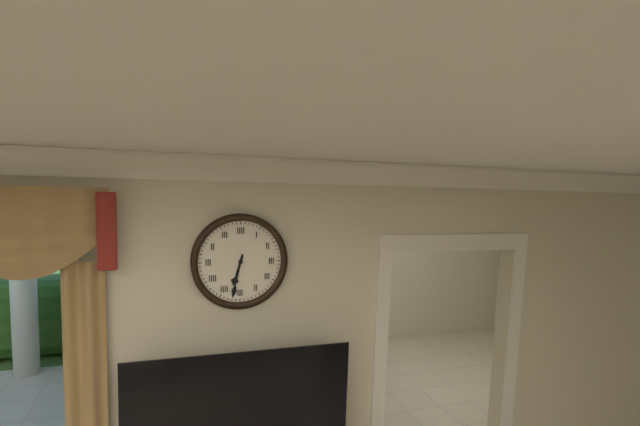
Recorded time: **6:32**
